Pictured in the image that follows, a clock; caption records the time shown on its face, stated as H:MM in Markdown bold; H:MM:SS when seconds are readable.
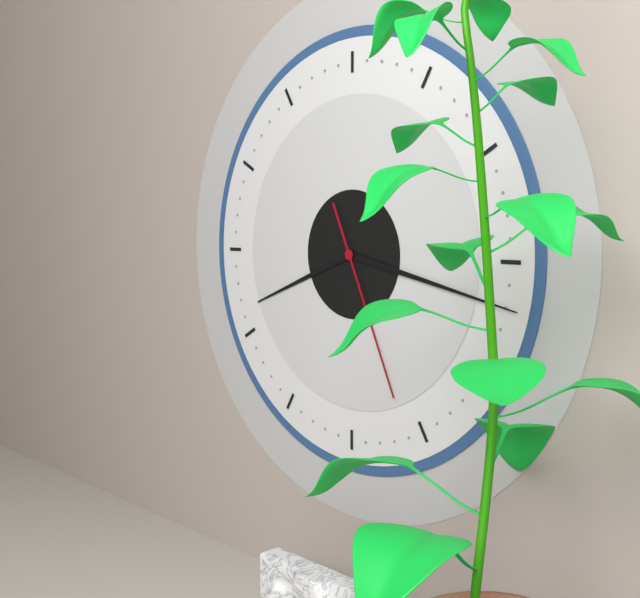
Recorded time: **8:17:26**
